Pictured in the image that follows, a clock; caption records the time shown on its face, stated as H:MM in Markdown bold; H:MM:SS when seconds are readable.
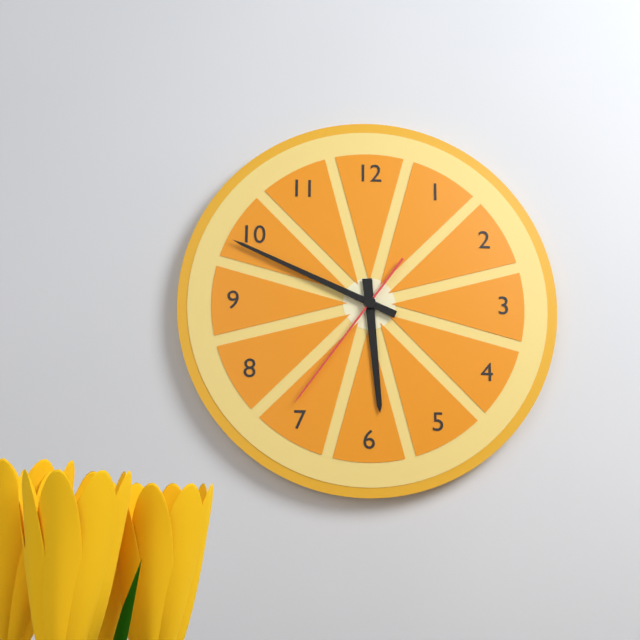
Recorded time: **5:49:36**
